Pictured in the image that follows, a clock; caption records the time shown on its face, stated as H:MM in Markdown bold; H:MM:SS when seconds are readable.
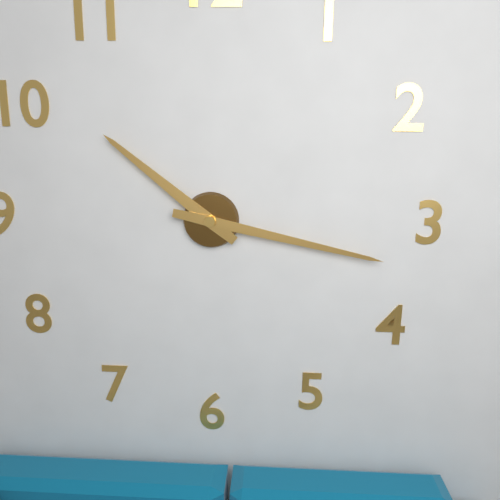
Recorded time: **10:17**
